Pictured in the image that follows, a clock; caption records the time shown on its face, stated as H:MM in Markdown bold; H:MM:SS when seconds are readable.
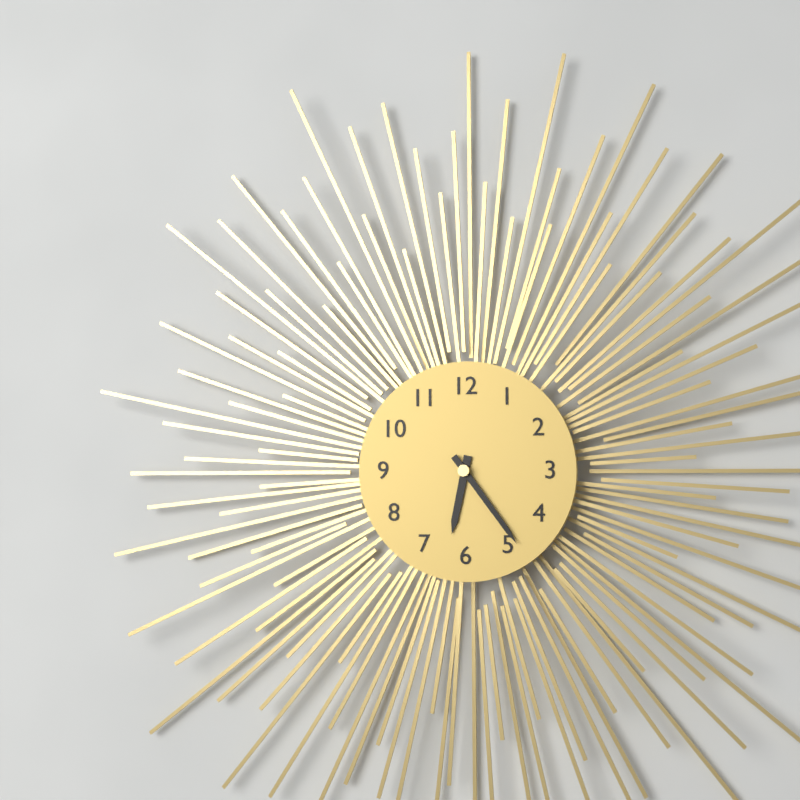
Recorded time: **6:24**
